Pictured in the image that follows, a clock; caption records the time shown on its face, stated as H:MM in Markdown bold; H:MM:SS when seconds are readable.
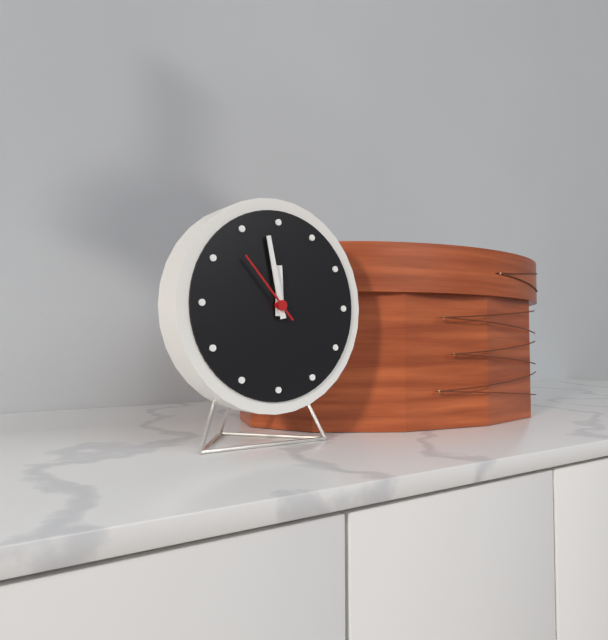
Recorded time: **11:58:53**
